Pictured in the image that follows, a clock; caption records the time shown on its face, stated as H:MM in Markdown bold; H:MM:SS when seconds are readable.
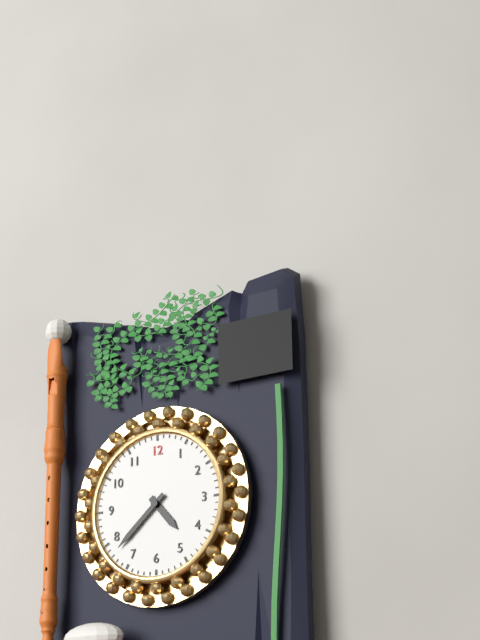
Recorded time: **4:38**
